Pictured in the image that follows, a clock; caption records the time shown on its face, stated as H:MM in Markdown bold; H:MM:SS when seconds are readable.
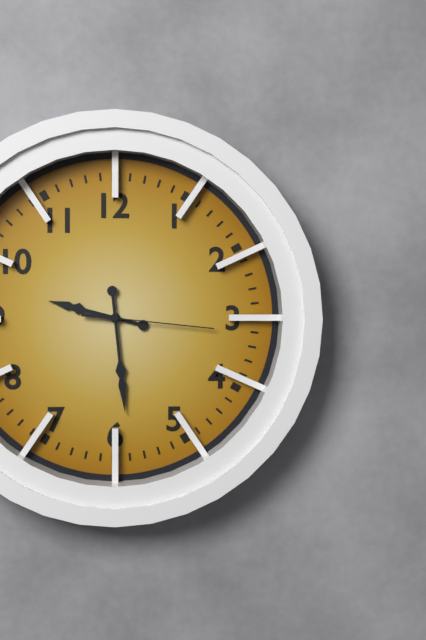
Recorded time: **9:29:16**
